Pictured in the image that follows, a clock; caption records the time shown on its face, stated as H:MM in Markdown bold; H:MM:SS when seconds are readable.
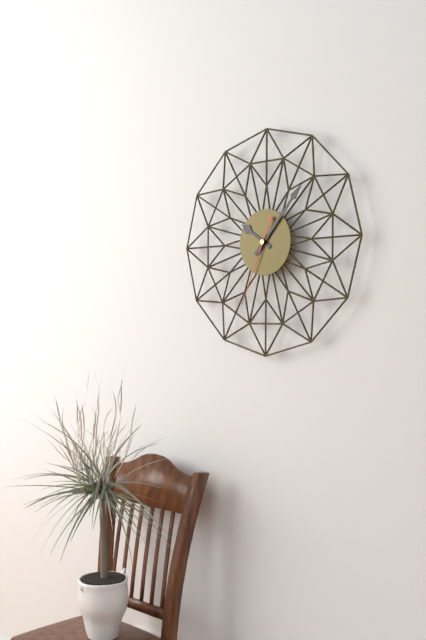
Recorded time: **10:07:34**
